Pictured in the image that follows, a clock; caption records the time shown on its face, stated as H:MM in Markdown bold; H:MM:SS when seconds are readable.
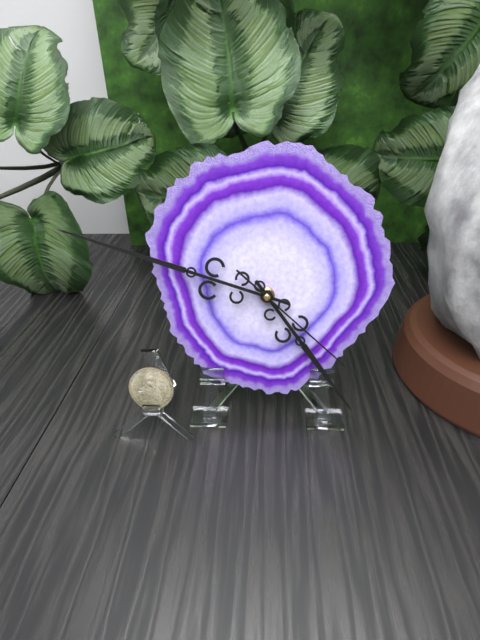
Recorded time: **4:48:22**
